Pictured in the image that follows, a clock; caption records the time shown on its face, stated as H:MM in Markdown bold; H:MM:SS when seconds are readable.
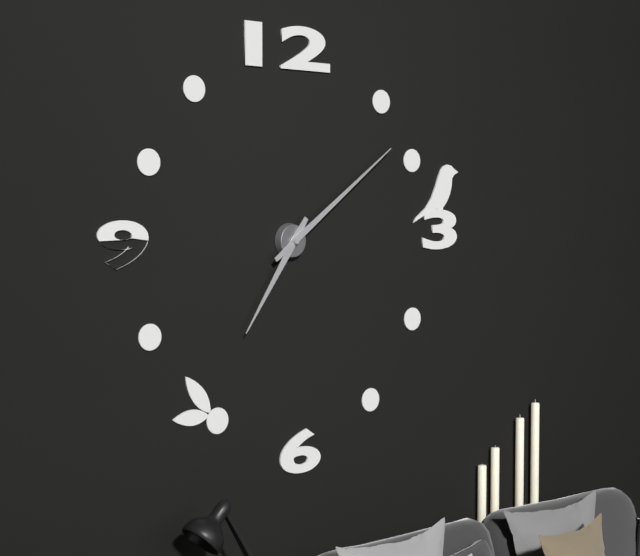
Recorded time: **7:09**
